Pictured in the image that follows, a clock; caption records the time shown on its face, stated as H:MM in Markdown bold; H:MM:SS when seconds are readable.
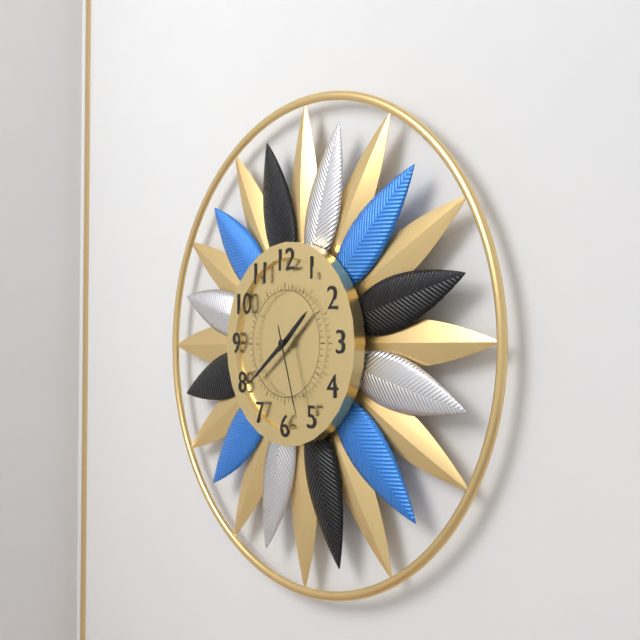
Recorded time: **1:39:27**
